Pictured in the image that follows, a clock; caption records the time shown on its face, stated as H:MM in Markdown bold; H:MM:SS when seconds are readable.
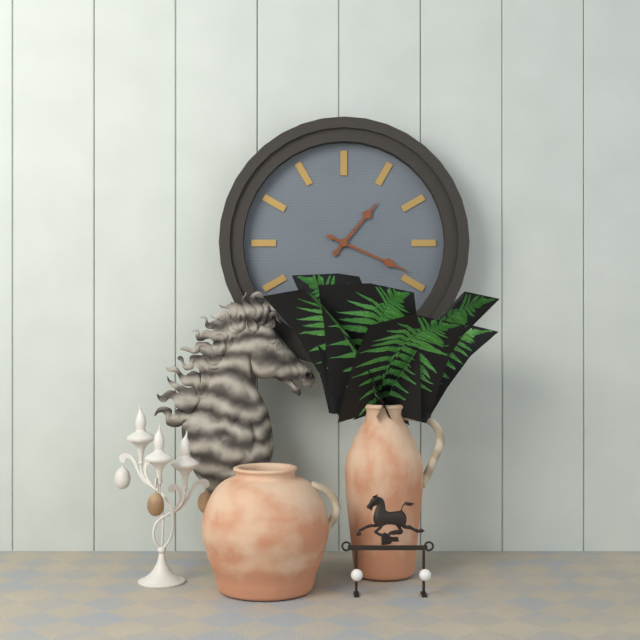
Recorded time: **1:19**
